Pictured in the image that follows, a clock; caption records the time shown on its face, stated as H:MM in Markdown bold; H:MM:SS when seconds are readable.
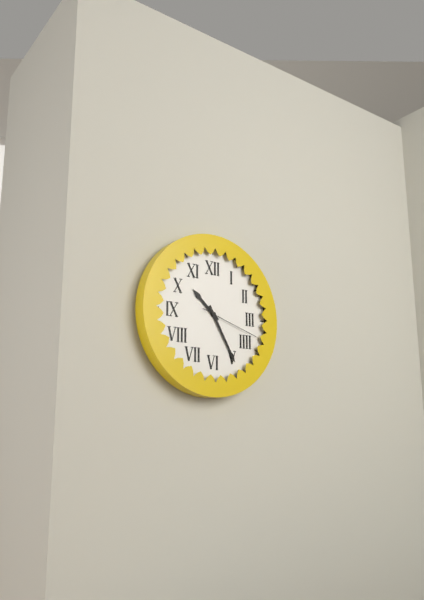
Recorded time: **10:25:18**
